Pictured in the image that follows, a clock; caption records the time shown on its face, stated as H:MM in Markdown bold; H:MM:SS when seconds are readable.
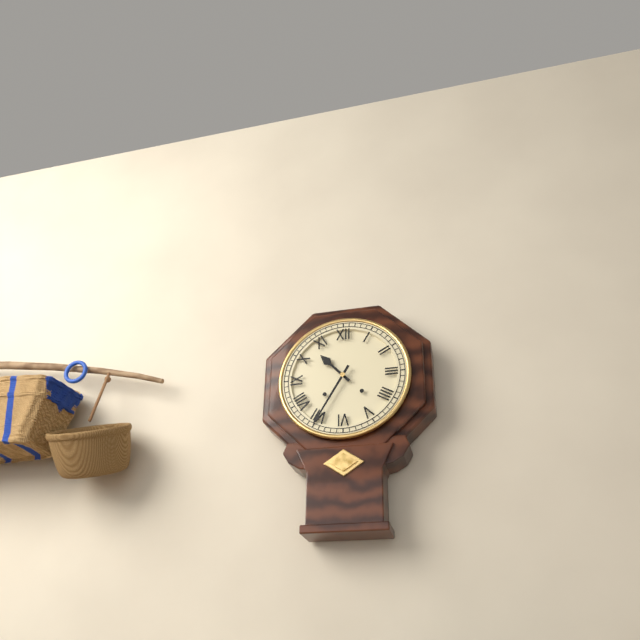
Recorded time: **10:35**
